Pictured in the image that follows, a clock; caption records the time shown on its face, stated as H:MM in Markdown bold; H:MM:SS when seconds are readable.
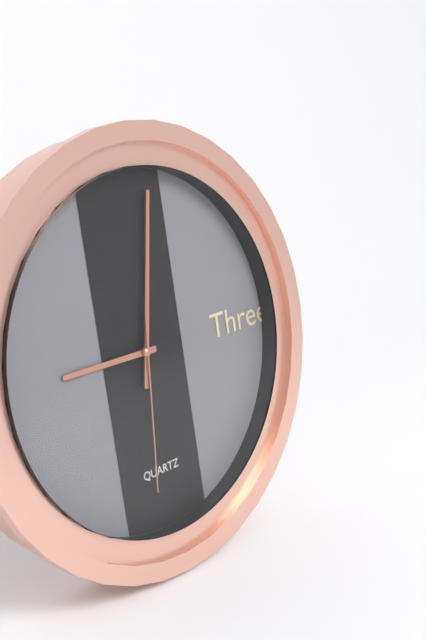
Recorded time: **9:02:31**
